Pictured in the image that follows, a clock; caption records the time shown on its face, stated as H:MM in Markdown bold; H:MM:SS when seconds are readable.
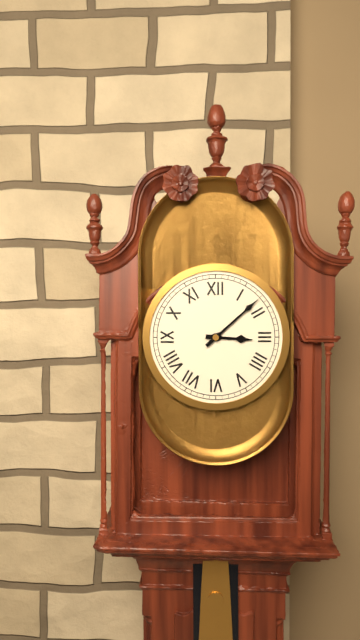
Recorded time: **3:08**
